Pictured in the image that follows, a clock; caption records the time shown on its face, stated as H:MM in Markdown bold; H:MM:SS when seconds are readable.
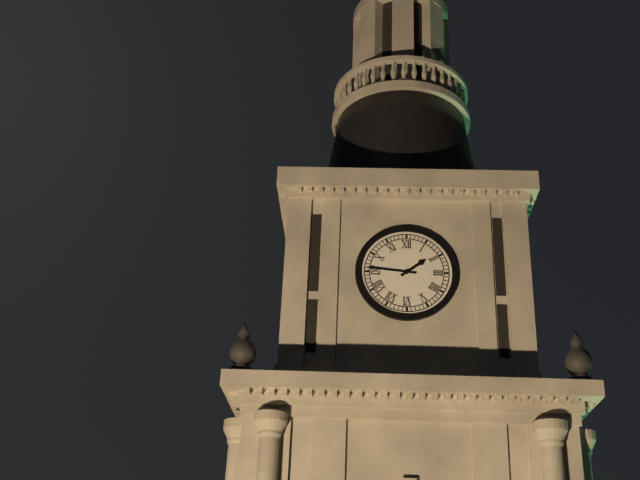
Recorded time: **1:46**
